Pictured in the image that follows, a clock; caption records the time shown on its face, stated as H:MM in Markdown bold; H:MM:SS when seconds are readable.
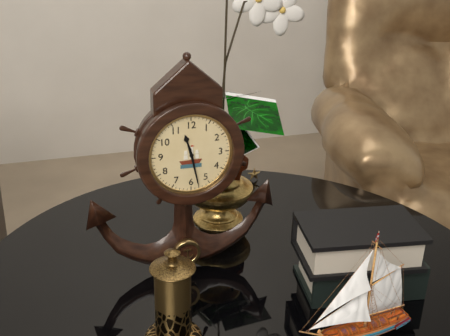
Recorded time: **11:28**
